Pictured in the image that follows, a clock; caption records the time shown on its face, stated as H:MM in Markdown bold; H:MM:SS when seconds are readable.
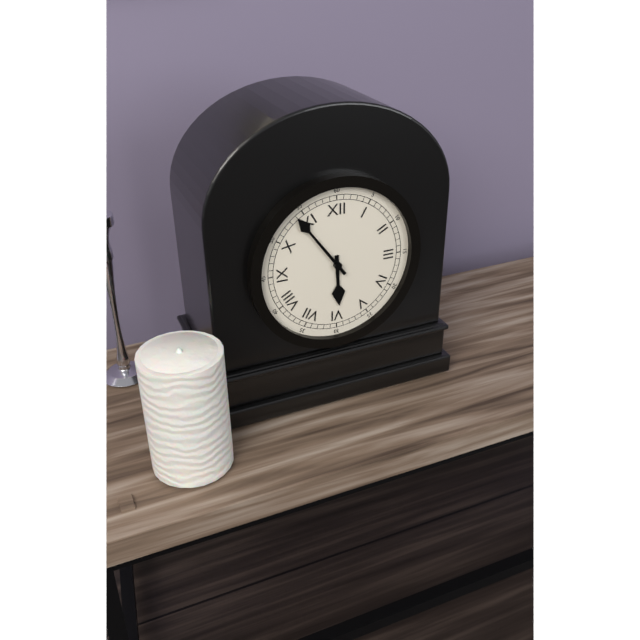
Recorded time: **5:54**
